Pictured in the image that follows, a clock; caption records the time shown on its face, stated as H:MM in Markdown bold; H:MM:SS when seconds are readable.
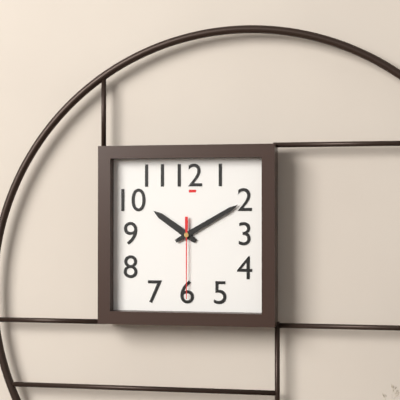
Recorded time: **10:10:30**
